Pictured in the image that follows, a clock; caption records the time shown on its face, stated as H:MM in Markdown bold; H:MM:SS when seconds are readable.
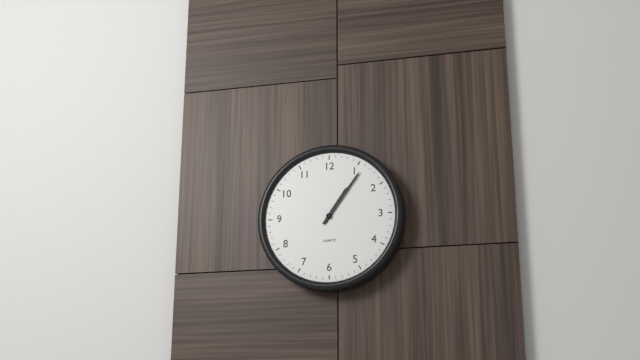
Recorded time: **1:06**
